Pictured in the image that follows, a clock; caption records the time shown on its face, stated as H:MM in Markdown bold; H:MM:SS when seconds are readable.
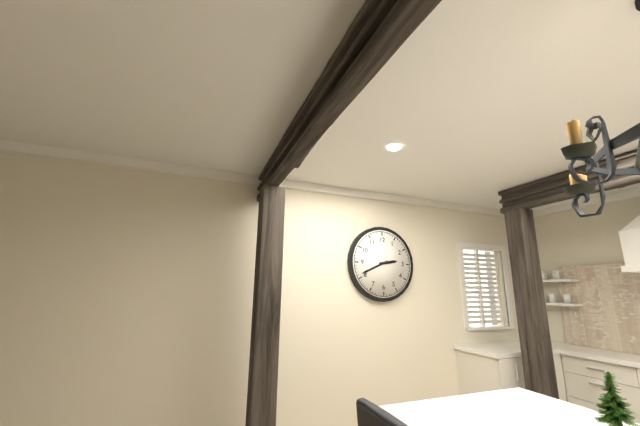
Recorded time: **2:41**
